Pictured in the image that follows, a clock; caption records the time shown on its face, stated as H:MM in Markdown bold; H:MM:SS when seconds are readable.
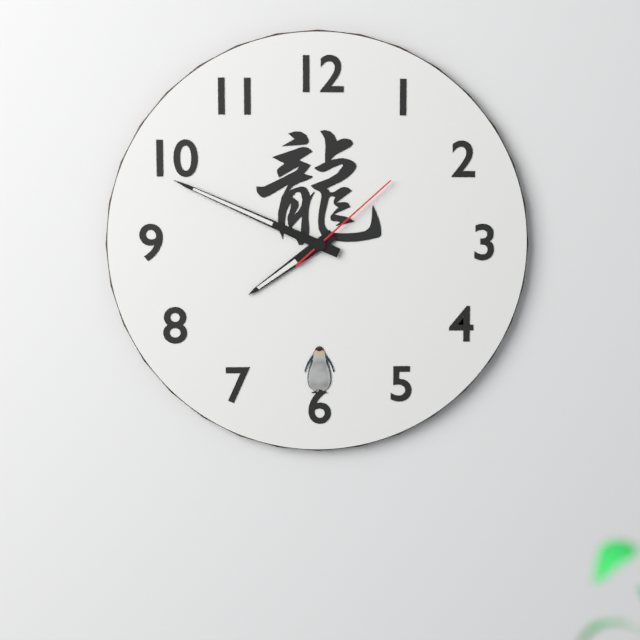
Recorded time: **7:49:08**
